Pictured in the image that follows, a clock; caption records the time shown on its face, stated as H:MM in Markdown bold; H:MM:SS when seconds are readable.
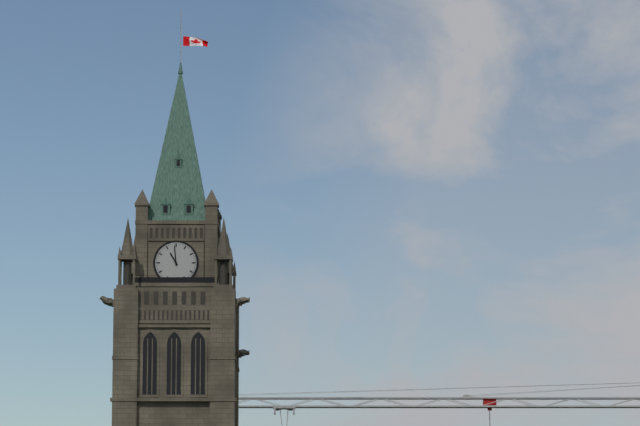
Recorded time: **10:59**
